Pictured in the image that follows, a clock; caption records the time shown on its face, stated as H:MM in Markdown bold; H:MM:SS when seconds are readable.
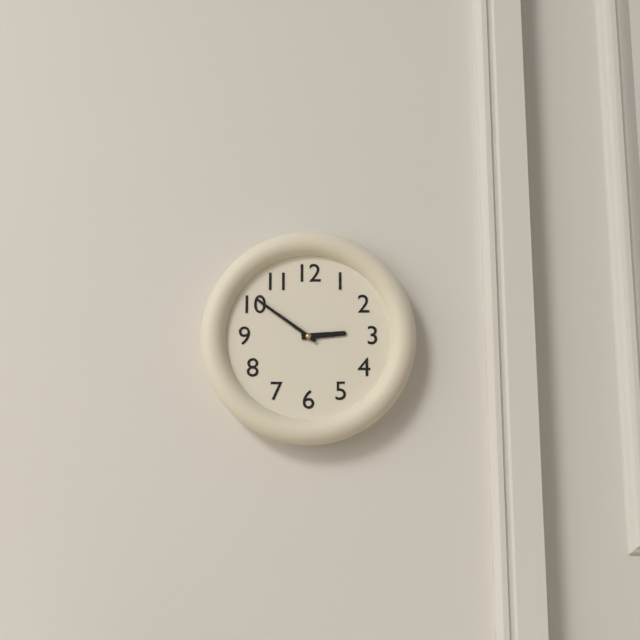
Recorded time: **2:51**
